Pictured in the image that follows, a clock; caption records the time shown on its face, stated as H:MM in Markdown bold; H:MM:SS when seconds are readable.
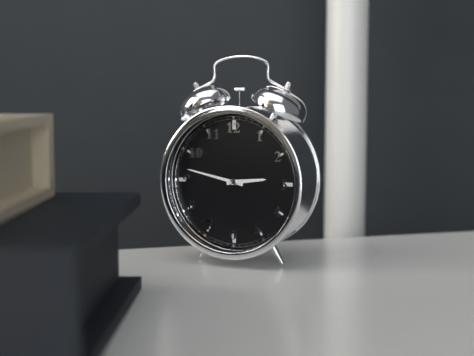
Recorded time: **2:47**
